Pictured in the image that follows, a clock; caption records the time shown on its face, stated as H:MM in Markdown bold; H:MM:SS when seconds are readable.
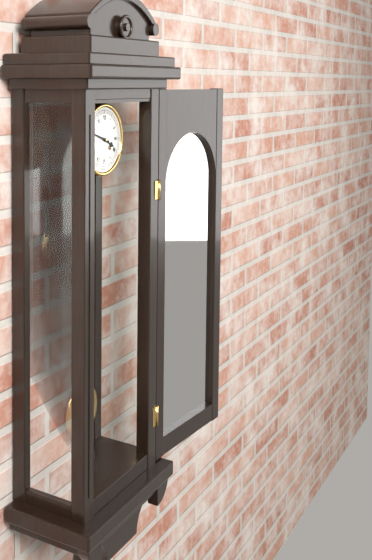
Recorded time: **3:48**
